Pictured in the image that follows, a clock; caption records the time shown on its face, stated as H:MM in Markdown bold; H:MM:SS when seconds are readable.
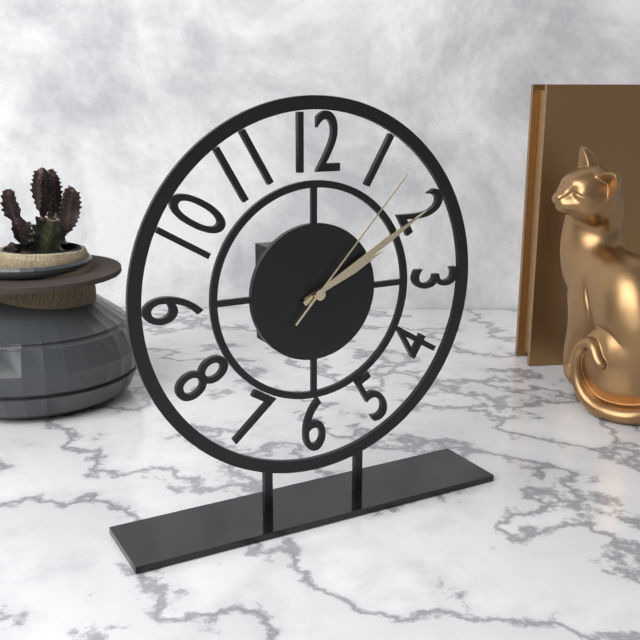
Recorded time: **2:10:07**
